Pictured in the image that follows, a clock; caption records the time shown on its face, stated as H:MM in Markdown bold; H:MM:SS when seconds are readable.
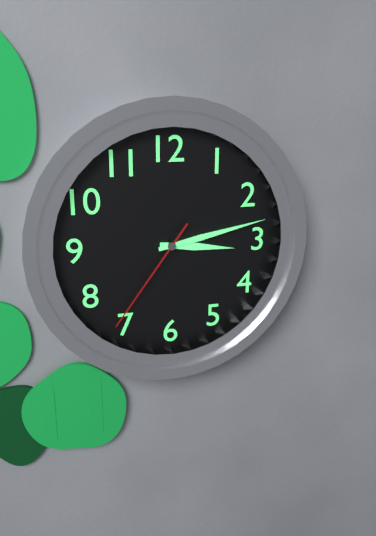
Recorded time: **3:13:36**
